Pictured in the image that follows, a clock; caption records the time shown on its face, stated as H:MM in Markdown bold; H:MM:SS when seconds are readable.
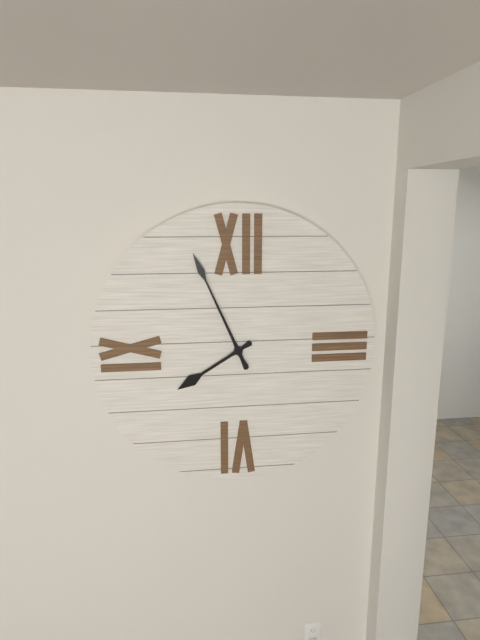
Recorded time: **7:56**
